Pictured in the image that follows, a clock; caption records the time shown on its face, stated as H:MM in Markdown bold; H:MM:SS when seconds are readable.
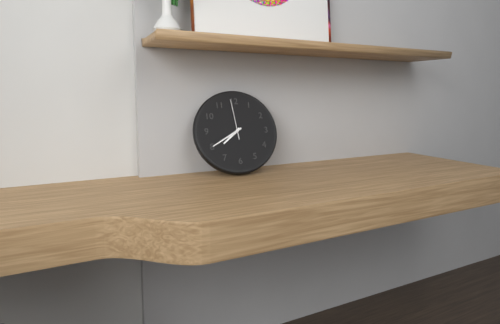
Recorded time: **7:40**
